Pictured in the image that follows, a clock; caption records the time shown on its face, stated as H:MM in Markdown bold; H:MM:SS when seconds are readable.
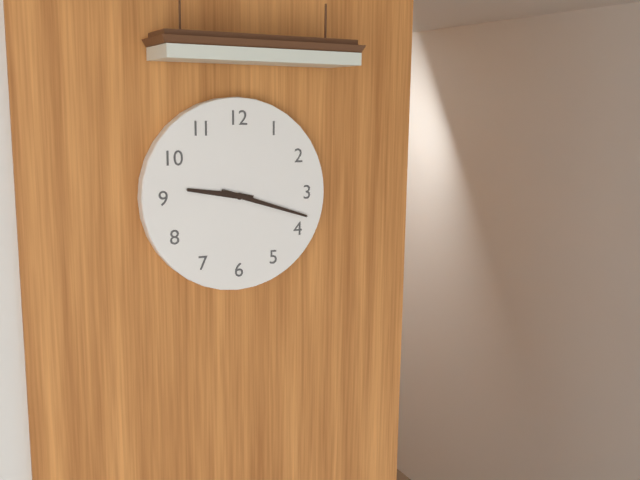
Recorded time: **9:18**
